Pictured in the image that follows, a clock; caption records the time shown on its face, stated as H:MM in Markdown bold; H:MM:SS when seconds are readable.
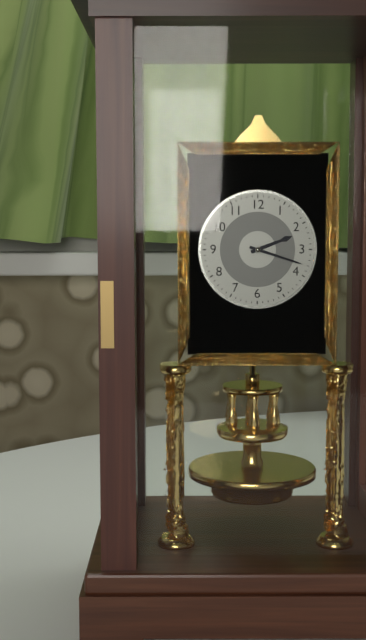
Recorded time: **2:18**
